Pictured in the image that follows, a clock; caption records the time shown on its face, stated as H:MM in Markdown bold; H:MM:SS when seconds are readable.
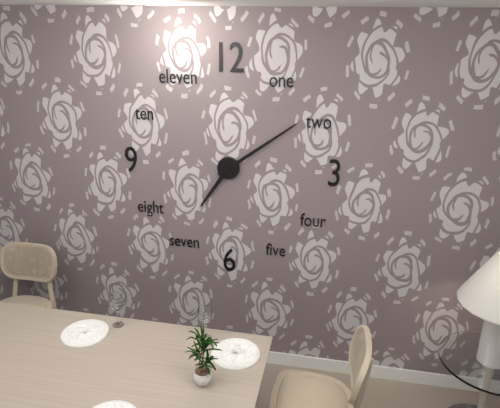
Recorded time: **7:09**
